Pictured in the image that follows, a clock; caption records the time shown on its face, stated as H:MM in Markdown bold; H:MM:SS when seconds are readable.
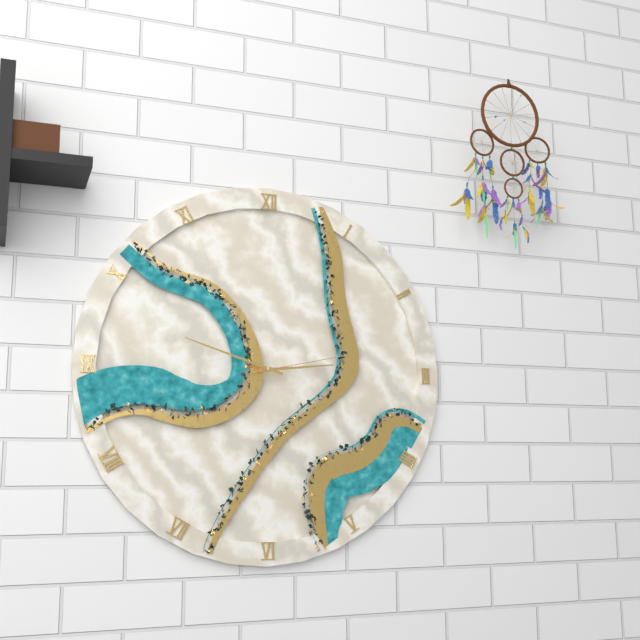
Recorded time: **2:48:13**
